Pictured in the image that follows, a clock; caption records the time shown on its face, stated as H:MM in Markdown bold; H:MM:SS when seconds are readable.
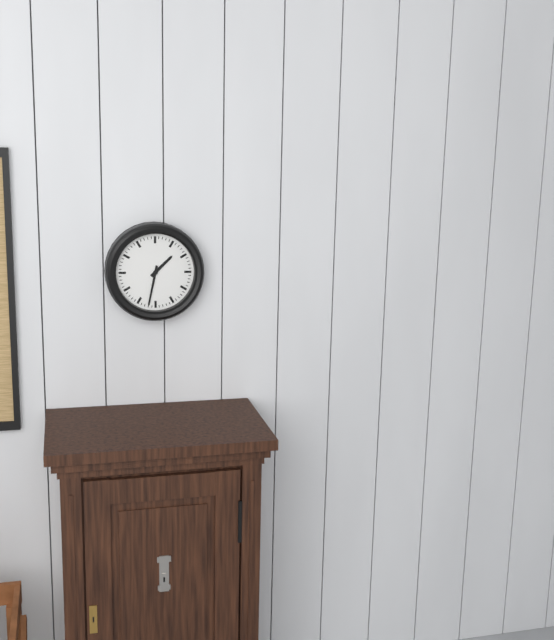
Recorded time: **1:32**
